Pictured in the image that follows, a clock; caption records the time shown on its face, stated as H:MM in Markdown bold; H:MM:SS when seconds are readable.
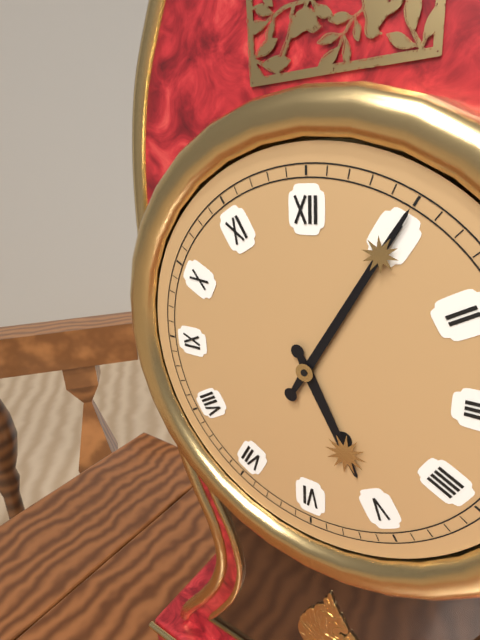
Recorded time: **5:05**
